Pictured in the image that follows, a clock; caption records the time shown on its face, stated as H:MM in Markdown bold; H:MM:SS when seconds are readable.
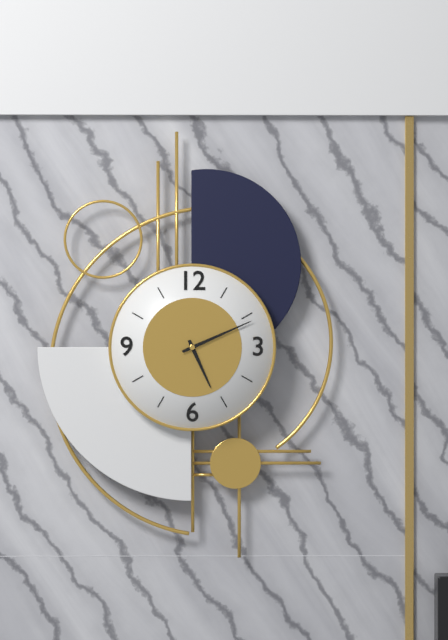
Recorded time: **5:11**
